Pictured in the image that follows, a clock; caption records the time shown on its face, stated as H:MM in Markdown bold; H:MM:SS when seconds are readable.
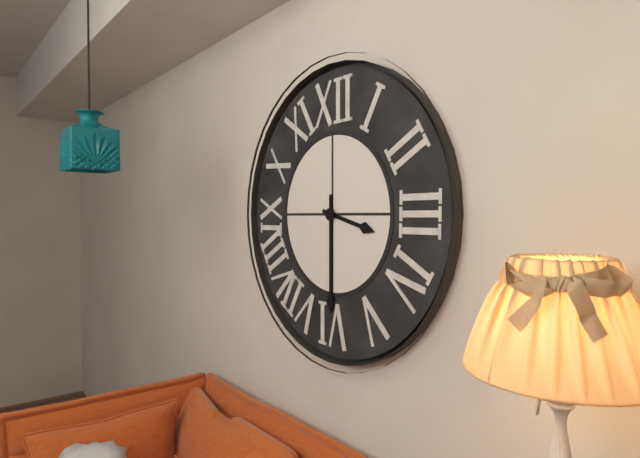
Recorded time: **3:30**
